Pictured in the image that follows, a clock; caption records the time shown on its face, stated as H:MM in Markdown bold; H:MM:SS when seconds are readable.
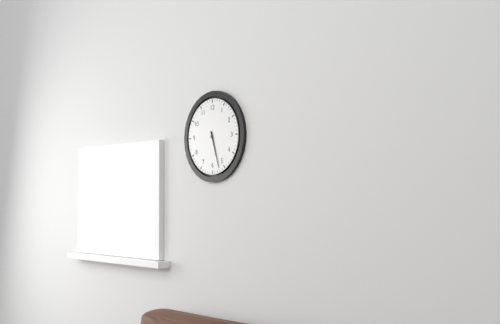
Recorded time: **5:27**
